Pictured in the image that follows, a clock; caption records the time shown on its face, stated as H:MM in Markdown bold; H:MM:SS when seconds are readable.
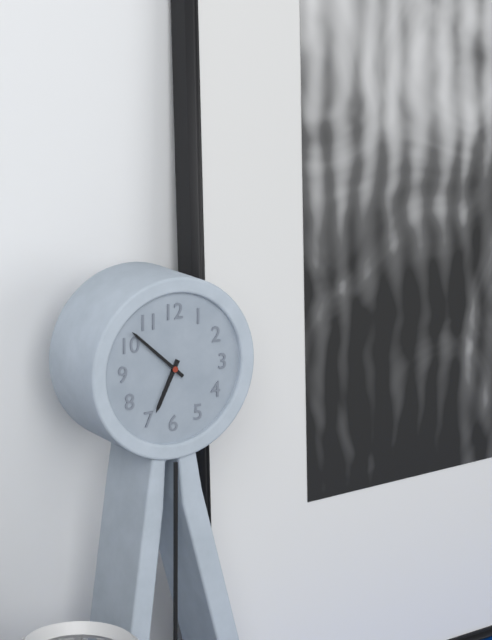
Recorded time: **6:52**
